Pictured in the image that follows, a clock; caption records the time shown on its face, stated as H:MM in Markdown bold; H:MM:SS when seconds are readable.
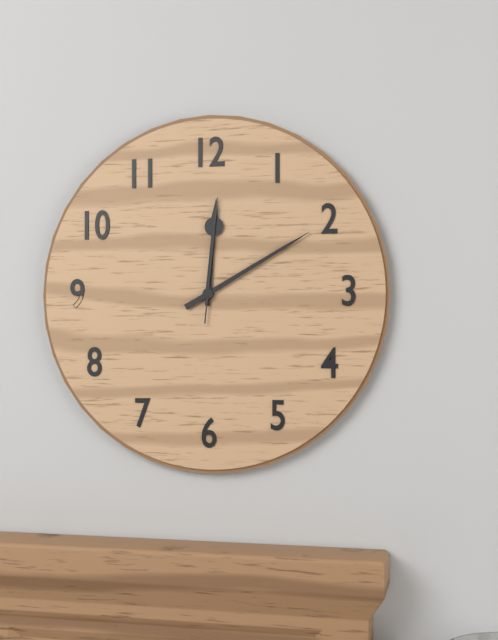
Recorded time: **12:10:01**
